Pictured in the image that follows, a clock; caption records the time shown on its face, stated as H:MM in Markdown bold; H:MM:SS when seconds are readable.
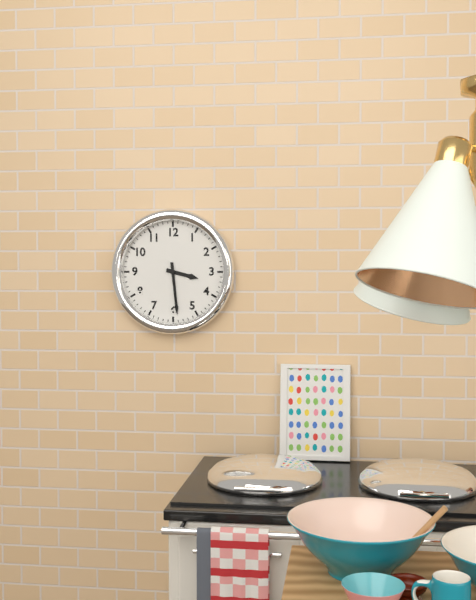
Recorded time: **3:29**
